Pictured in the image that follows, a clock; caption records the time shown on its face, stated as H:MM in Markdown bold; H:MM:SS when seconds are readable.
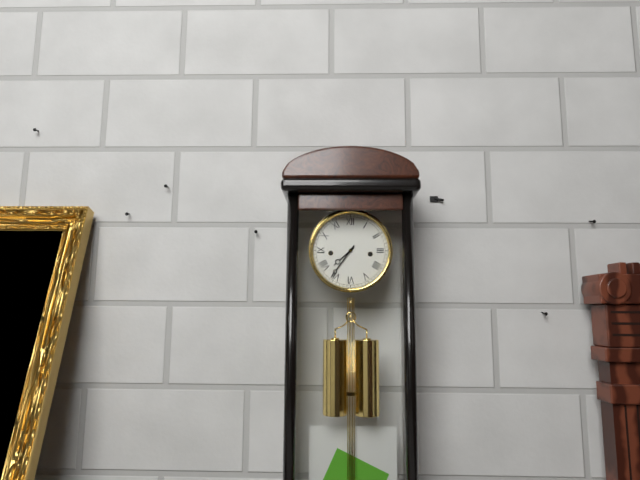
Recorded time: **7:36**
